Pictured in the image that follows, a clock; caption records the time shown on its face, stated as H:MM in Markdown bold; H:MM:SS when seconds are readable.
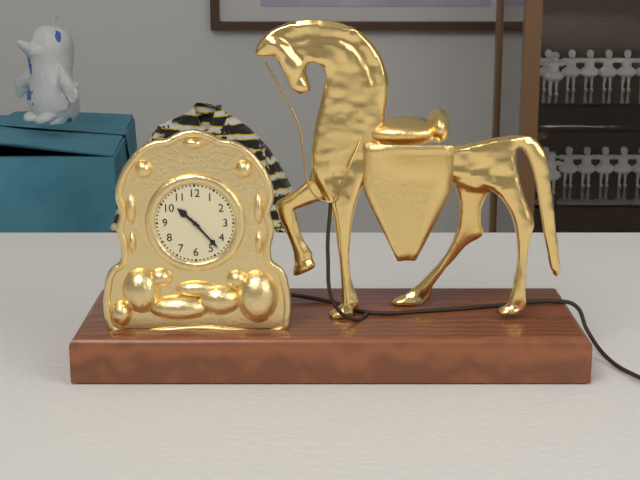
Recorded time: **10:23**
